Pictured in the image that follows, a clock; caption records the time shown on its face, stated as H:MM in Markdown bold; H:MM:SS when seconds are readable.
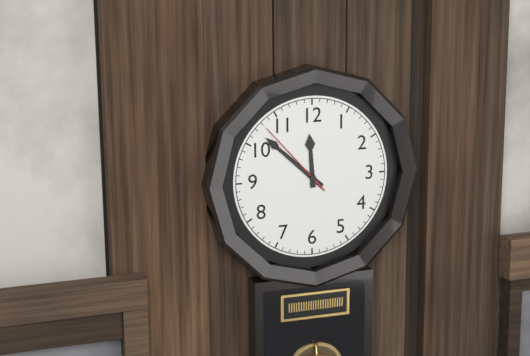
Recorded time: **11:52:53**
